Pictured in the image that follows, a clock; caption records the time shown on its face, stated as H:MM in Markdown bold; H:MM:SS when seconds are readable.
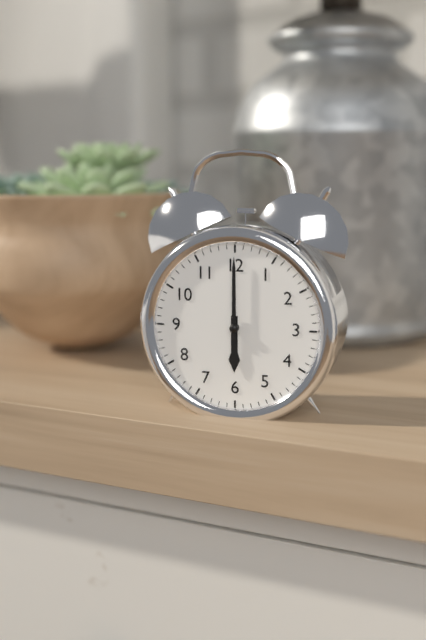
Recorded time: **6:00**
